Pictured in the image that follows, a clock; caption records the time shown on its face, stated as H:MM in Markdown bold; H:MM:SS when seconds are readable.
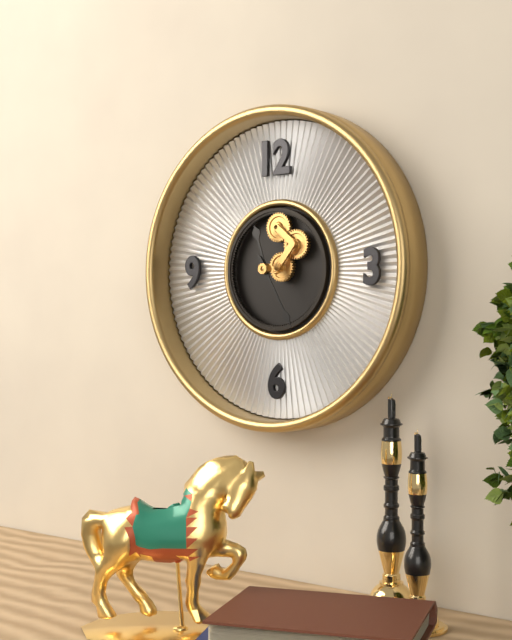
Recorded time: **11:25**
